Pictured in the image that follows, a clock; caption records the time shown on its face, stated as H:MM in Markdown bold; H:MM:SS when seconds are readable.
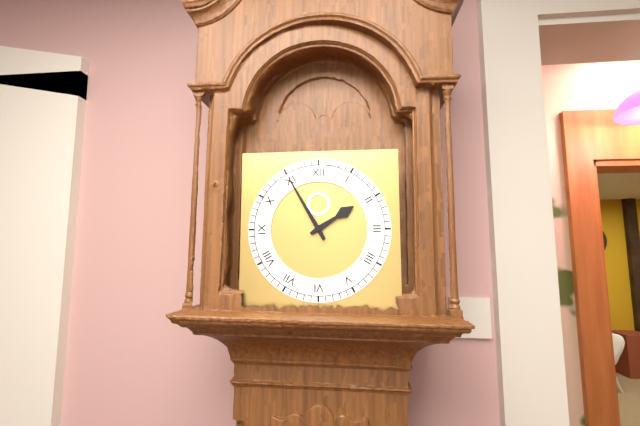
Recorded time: **1:55**
